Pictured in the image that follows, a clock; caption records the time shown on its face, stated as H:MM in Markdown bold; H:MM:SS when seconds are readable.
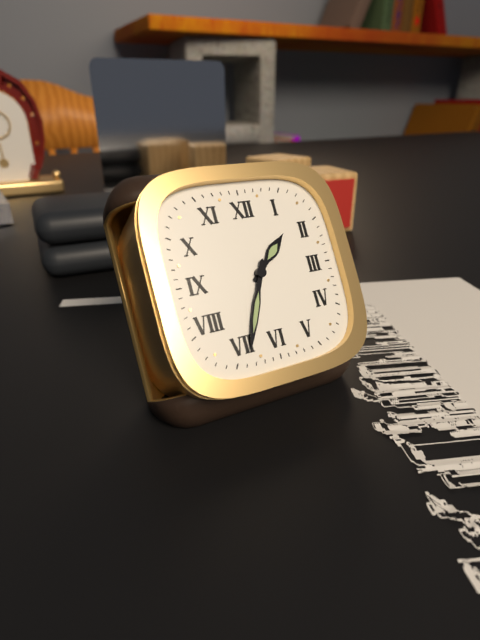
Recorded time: **1:34**
